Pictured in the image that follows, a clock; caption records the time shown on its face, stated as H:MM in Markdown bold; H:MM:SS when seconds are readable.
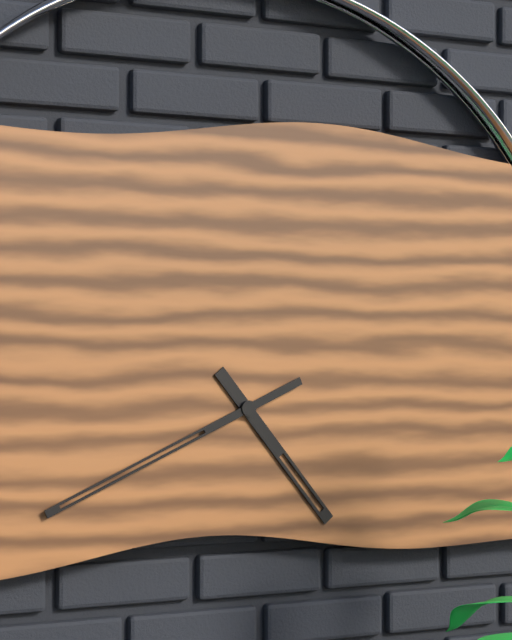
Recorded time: **4:41**
